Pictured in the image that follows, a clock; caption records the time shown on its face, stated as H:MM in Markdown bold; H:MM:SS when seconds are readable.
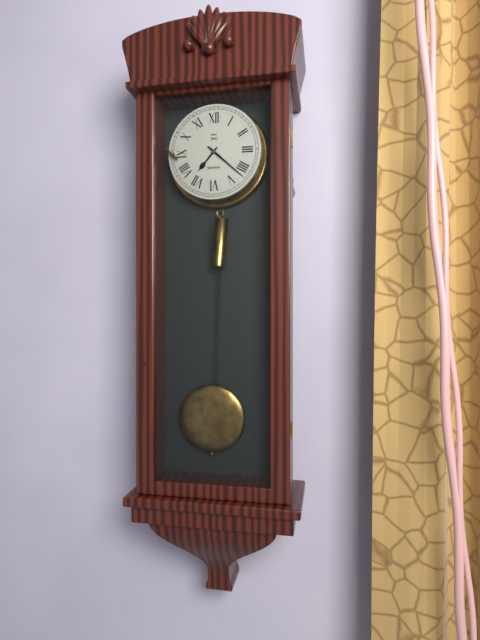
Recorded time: **7:22**
